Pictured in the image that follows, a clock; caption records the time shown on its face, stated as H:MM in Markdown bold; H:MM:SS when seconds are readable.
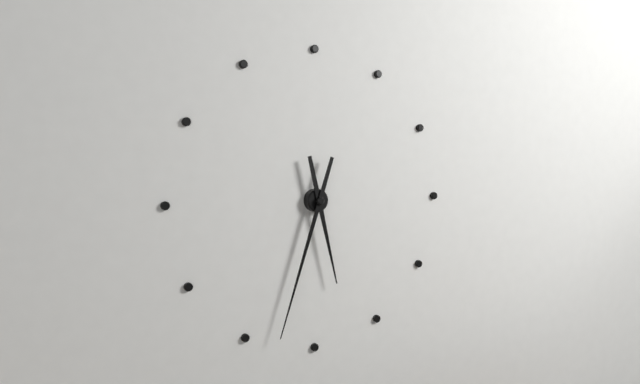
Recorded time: **5:33**
